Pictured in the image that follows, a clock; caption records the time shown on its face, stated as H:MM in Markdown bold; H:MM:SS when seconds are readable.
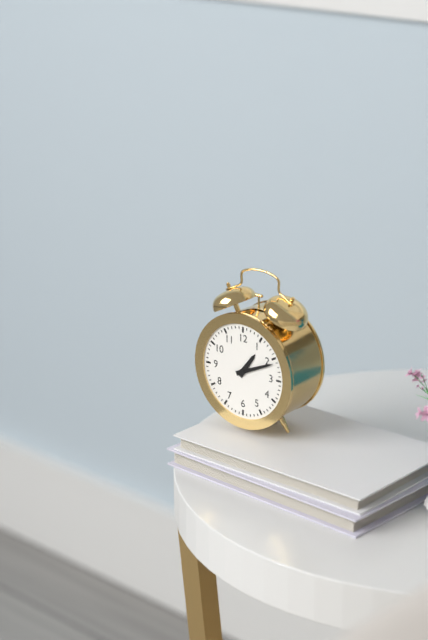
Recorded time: **1:11**
